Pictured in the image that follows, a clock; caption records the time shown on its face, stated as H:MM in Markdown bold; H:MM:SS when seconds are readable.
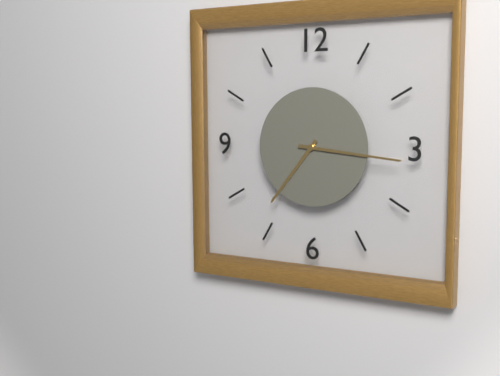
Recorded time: **7:16**
